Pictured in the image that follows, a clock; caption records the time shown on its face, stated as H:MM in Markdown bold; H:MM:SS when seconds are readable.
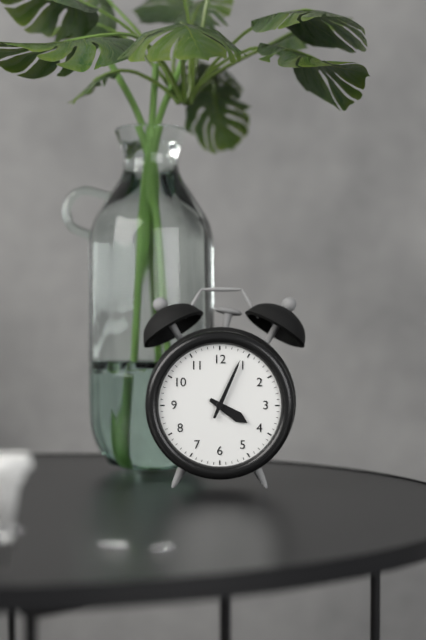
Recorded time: **4:04**
